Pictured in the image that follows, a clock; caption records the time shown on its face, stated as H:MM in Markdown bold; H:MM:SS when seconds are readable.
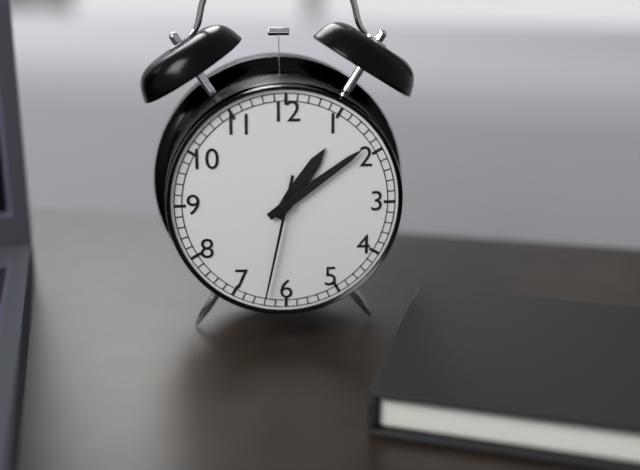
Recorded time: **1:09:32**
